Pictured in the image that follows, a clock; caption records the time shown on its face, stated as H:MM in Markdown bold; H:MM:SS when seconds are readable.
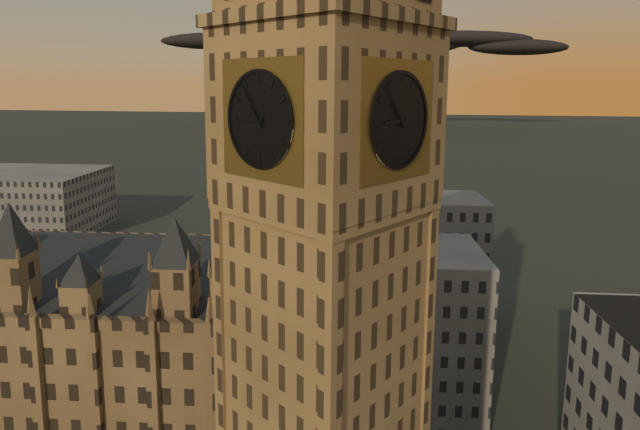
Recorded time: **8:54**
